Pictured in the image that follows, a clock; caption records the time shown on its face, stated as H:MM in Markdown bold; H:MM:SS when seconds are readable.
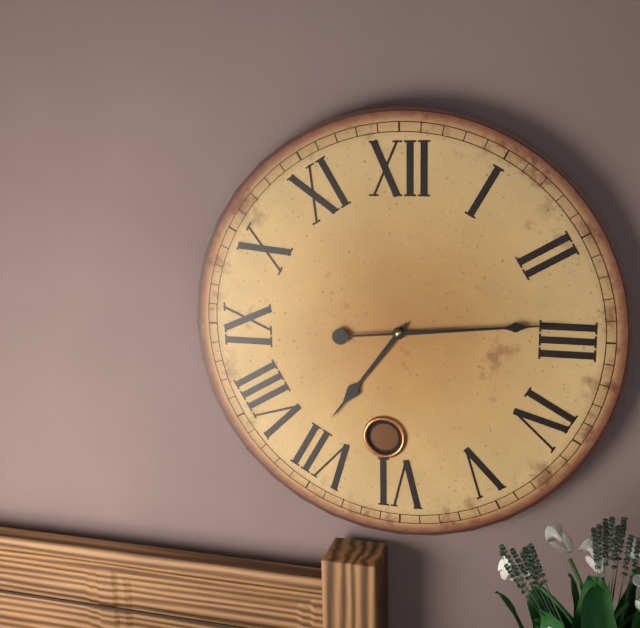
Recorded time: **7:14**
